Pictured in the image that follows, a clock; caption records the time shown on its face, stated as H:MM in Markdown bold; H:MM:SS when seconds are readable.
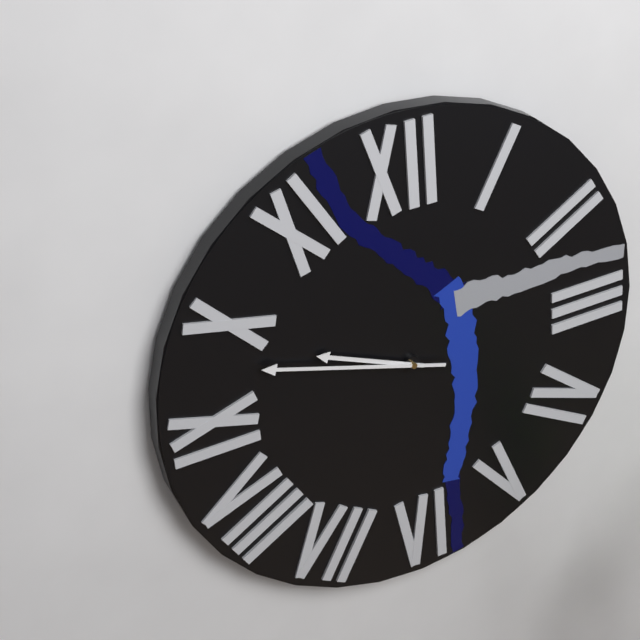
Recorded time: **9:48**
